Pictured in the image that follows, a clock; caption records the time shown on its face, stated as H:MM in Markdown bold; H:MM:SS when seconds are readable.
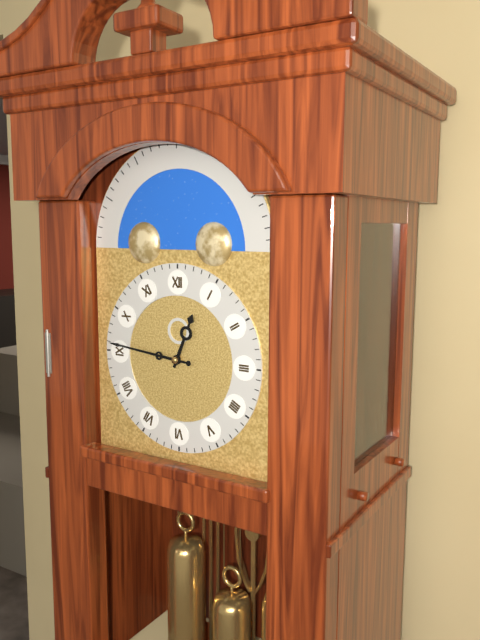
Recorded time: **12:46**
